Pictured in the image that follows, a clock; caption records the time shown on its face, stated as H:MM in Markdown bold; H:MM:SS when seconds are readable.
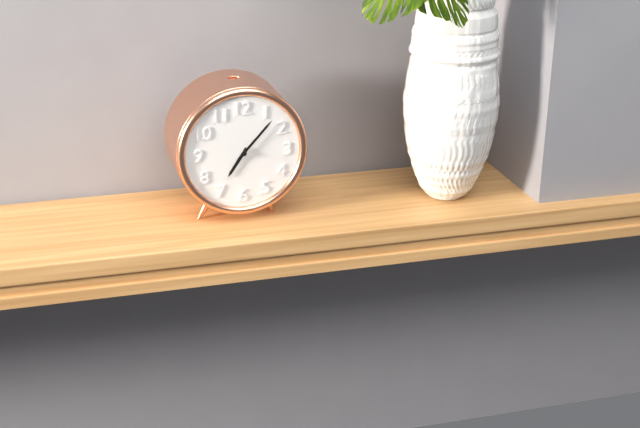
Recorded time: **7:07**
